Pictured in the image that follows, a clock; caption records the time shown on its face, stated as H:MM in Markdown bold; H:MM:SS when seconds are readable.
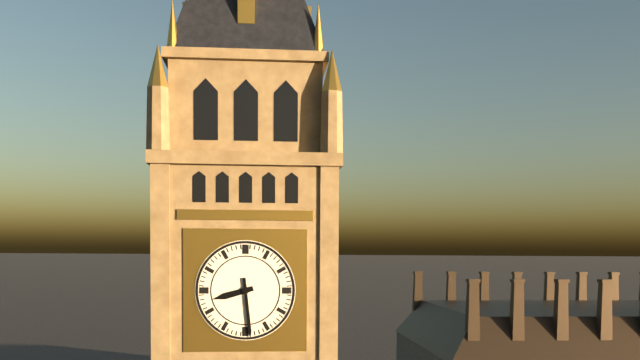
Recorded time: **8:29**
